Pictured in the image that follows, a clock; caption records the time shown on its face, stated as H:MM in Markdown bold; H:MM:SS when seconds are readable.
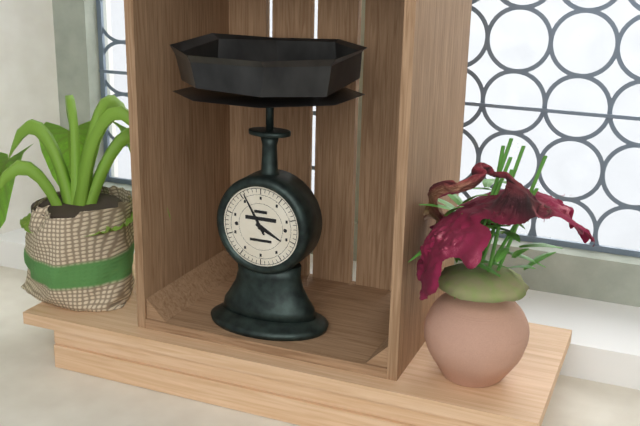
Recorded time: **3:55**
